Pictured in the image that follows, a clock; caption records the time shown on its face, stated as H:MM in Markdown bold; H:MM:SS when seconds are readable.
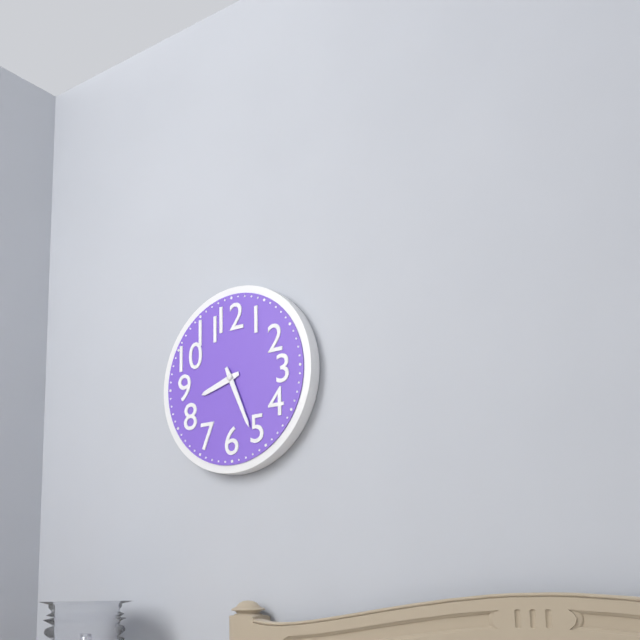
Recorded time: **8:26**
